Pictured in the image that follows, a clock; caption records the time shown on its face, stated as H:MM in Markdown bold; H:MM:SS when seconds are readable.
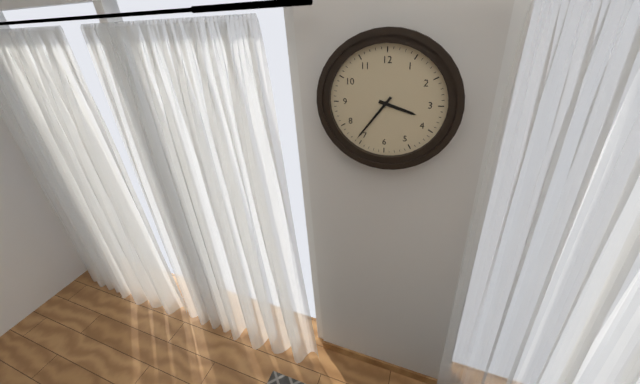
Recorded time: **3:36**
